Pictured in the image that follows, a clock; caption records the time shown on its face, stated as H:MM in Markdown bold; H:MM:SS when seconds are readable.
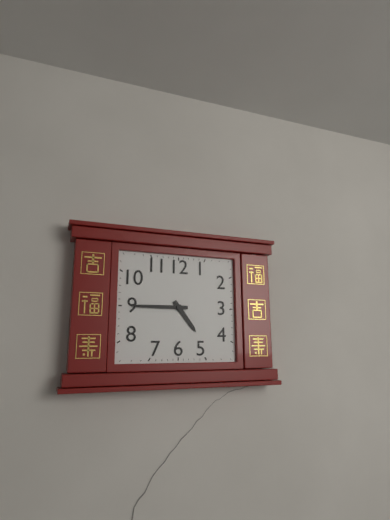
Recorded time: **4:45**
